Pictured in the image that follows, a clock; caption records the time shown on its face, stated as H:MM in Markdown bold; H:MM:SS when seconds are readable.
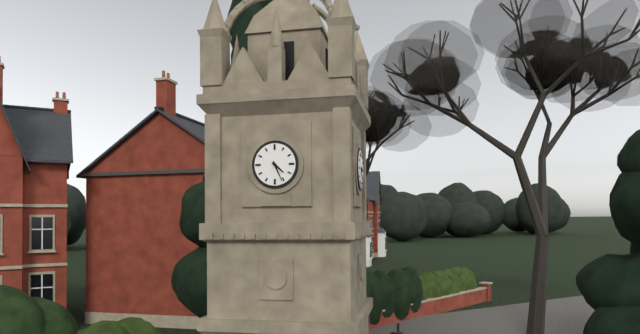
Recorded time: **4:26**
